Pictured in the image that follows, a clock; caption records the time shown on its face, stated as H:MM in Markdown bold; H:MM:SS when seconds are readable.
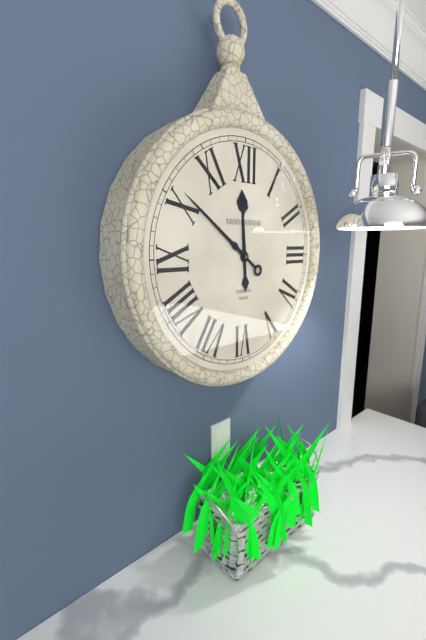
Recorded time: **11:51**
